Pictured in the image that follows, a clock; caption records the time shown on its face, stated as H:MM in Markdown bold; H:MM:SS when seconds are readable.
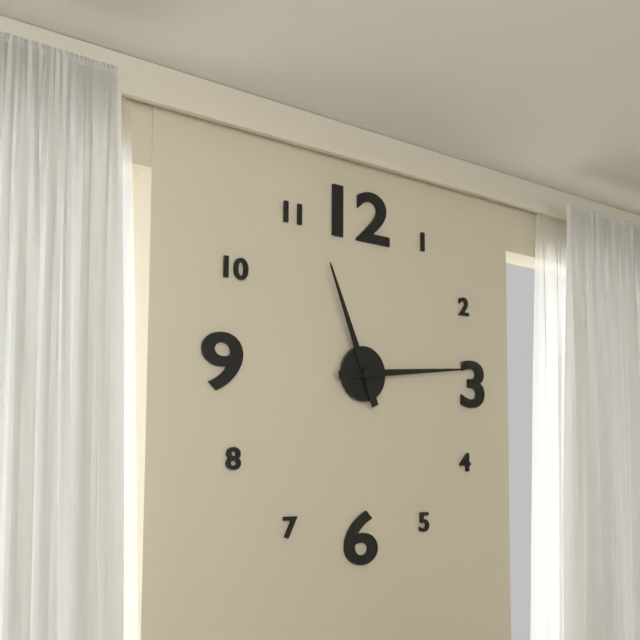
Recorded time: **11:14**
